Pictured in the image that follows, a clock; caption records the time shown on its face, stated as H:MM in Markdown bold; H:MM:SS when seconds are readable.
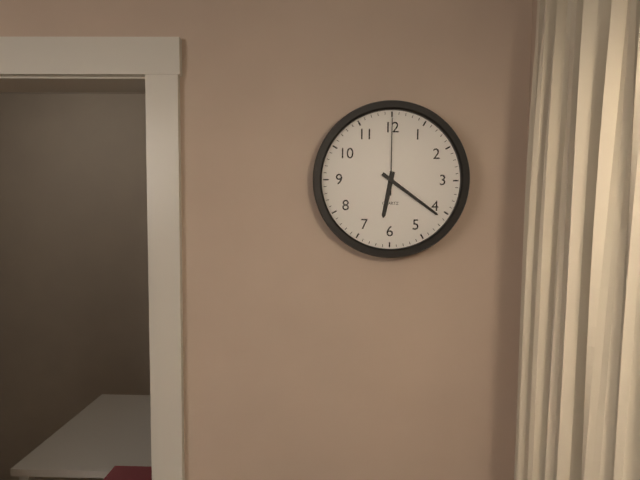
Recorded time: **6:21:00**
